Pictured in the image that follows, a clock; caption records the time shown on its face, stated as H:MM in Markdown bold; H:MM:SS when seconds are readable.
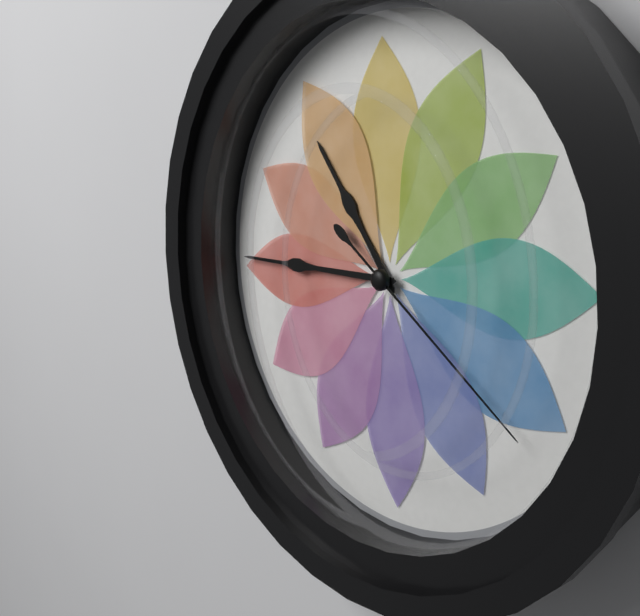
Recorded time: **10:45:21**
